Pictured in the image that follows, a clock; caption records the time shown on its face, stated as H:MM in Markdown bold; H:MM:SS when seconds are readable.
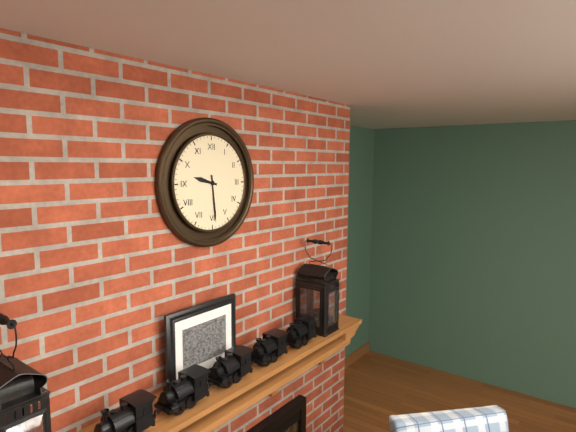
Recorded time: **9:29**
